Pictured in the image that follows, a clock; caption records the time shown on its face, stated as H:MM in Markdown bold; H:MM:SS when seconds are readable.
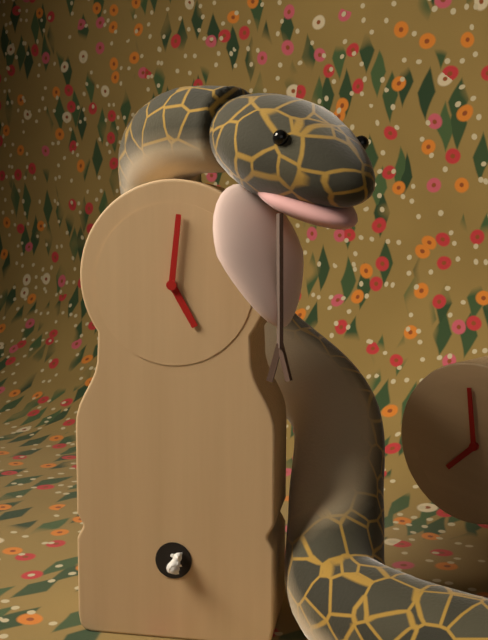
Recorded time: **5:01**
